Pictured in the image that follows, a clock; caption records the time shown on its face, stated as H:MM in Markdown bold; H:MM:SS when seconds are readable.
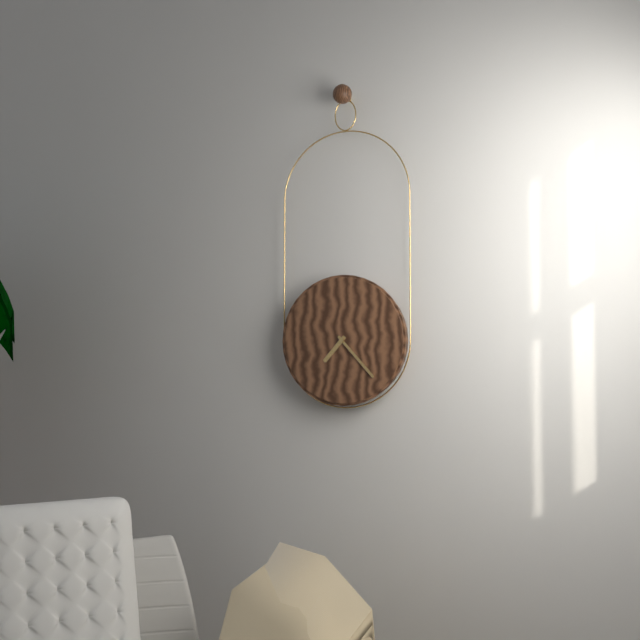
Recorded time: **7:23**
